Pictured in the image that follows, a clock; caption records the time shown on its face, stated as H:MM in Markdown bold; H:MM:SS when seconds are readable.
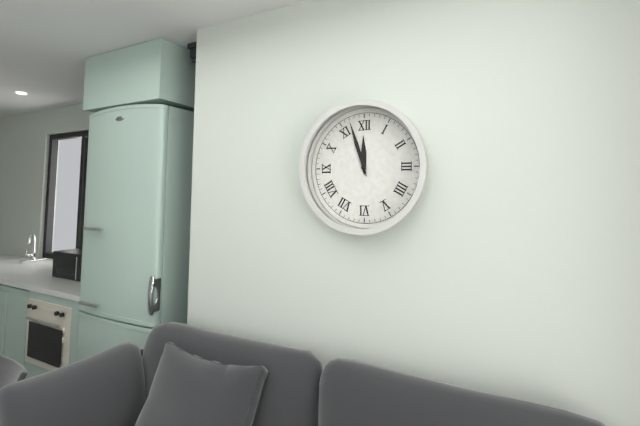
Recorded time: **11:57**
